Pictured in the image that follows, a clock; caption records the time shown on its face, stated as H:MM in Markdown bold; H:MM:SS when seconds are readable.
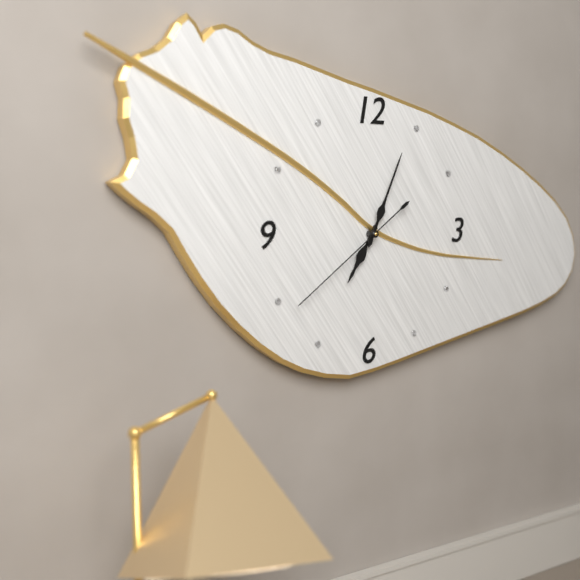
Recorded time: **7:04:39**
